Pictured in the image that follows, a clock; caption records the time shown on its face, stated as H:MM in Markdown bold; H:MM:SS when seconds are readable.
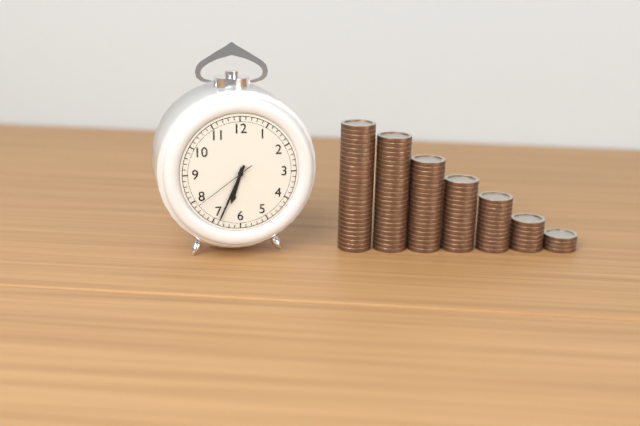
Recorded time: **6:34:39**
